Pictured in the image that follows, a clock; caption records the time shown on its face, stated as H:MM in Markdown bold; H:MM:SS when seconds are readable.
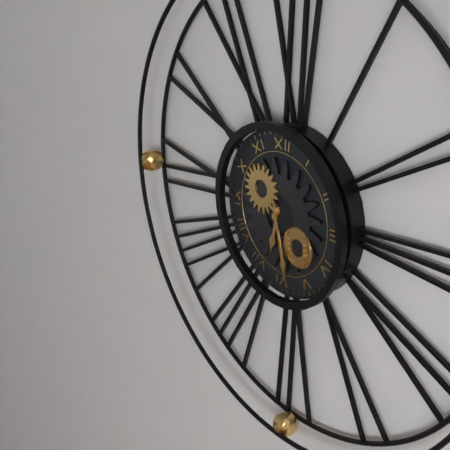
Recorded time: **6:28**
